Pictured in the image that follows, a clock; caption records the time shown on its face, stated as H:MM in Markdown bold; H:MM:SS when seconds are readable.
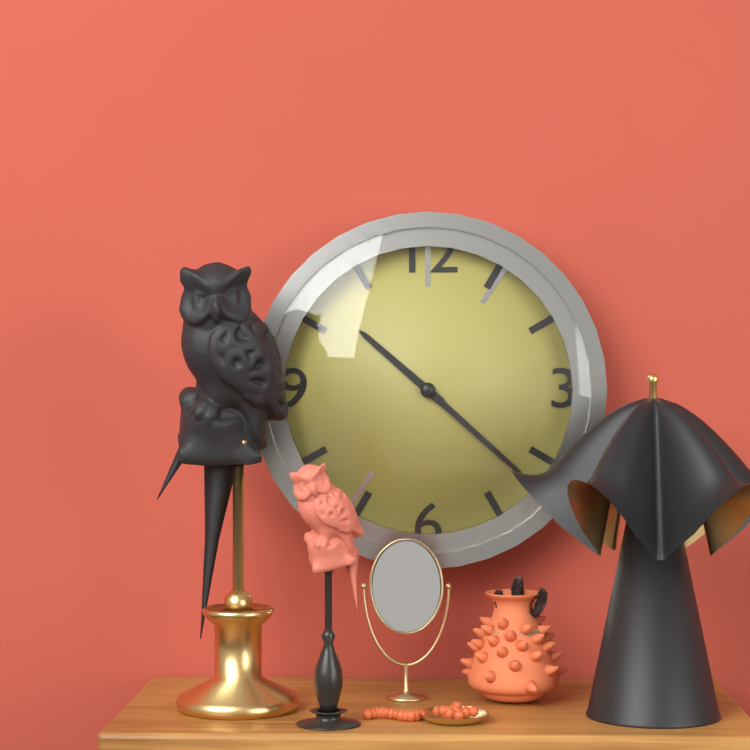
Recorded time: **10:22**
